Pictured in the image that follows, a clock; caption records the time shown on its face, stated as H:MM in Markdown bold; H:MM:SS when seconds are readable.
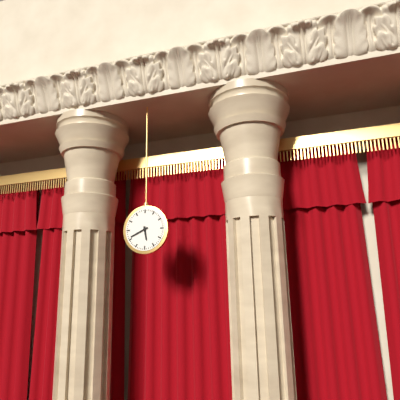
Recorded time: **5:41**
